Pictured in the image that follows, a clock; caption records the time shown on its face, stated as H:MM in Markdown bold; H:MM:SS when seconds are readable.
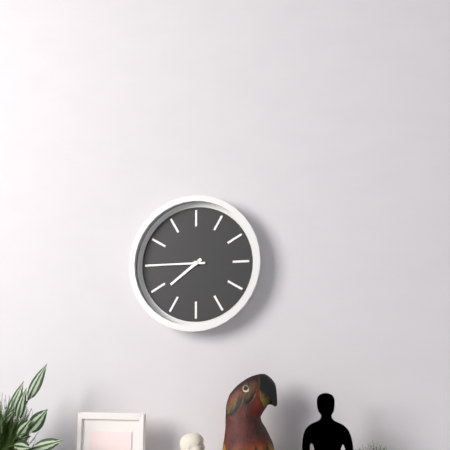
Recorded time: **7:45**
